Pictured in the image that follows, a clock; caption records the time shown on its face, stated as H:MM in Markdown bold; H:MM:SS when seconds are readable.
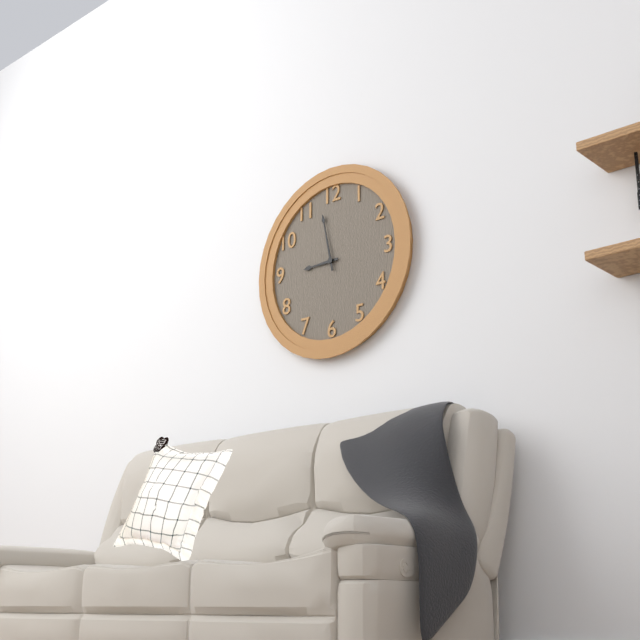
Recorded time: **8:58**
